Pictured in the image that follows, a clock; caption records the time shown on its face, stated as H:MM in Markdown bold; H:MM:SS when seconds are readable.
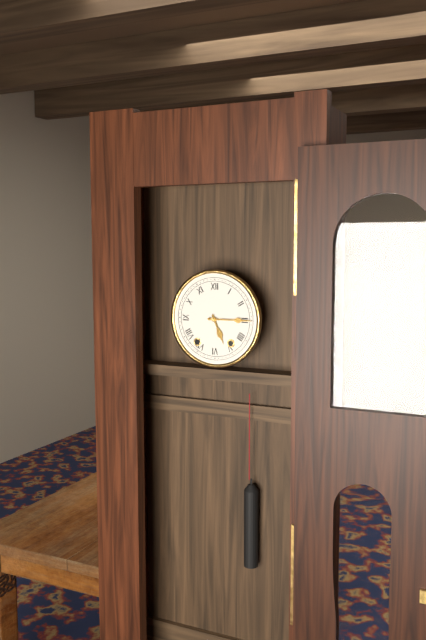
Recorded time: **5:15**
